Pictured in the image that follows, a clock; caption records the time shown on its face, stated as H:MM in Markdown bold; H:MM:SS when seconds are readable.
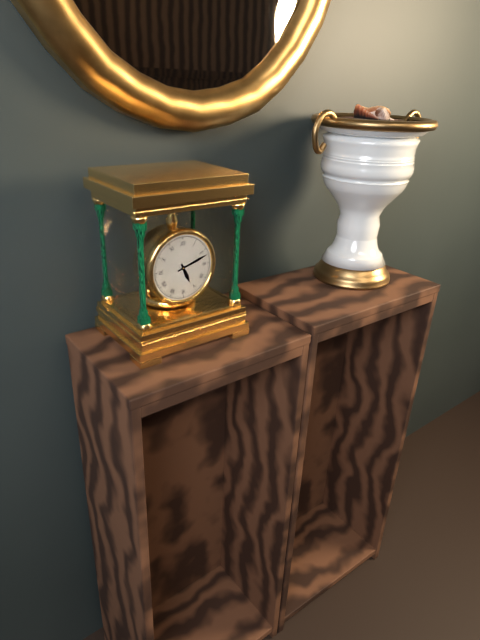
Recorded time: **5:12**
